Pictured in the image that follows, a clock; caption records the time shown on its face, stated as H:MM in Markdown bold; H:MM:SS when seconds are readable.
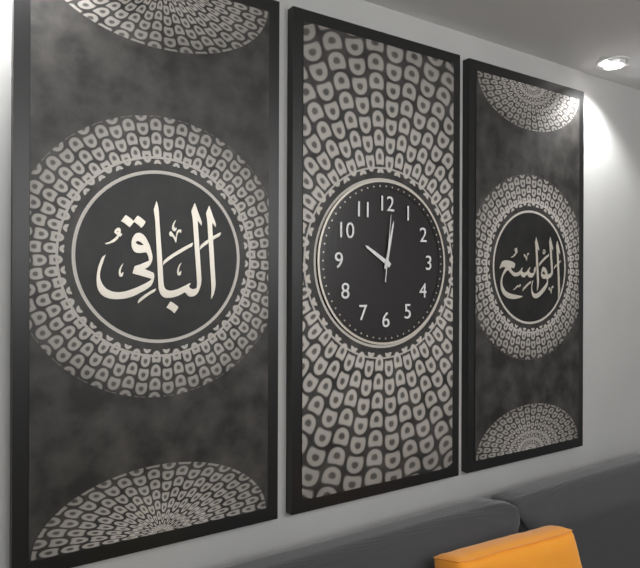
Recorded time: **10:02:01**
